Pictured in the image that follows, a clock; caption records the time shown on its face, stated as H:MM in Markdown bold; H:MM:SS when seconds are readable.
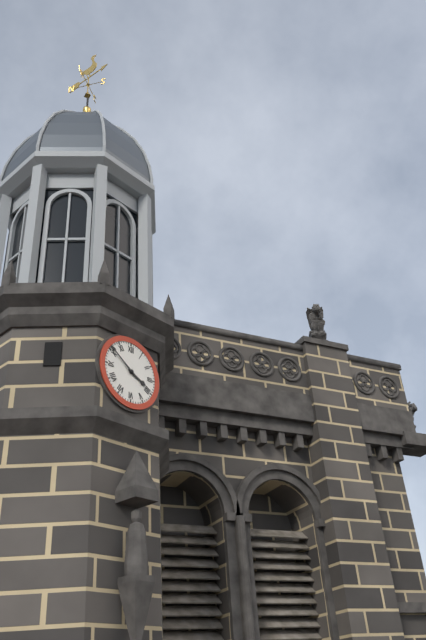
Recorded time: **3:51**
